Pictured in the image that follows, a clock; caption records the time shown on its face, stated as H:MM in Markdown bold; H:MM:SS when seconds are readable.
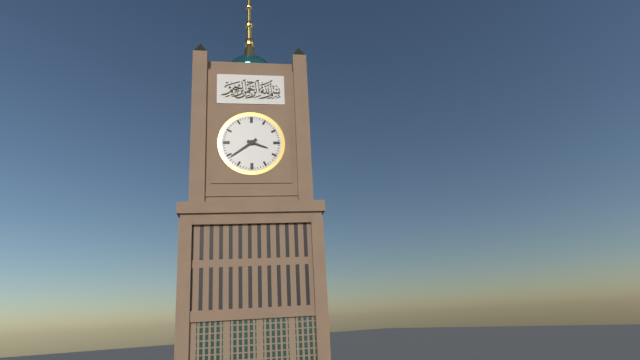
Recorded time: **3:39**
